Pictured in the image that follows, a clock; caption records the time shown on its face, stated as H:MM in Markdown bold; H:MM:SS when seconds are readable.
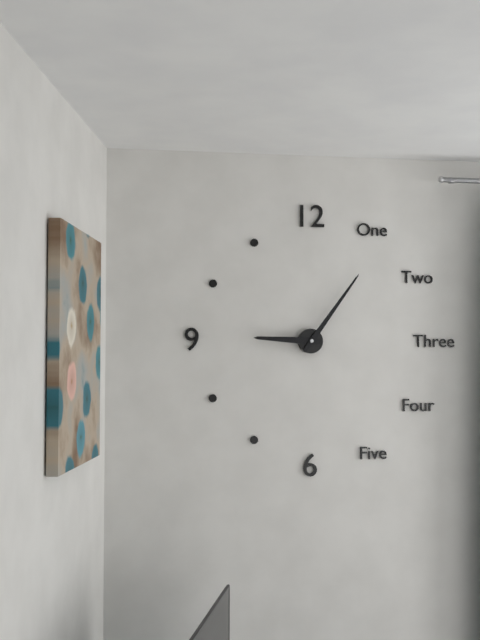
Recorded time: **9:06**
